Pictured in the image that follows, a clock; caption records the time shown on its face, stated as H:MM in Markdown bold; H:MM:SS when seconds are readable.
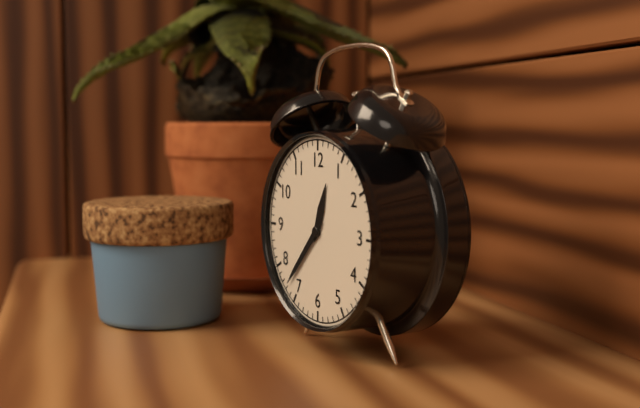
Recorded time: **12:37**
